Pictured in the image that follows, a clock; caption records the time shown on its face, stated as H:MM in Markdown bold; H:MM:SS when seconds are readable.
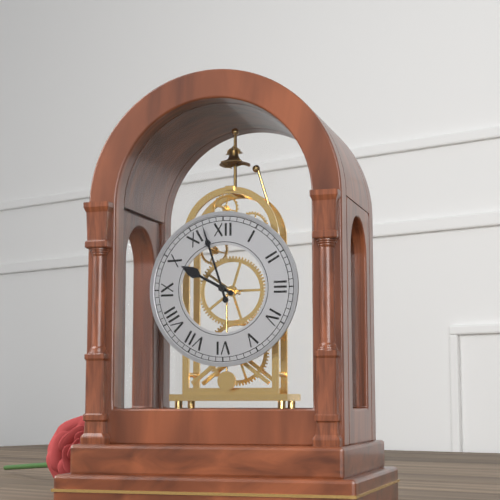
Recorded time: **9:57**
